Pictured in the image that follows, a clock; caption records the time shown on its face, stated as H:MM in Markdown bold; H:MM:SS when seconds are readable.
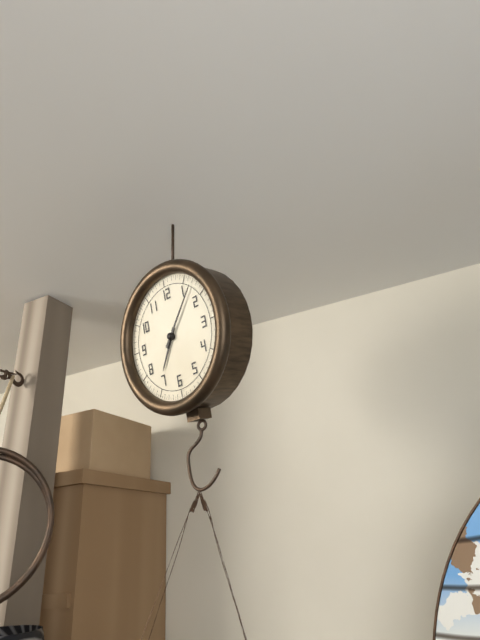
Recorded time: **7:07**
